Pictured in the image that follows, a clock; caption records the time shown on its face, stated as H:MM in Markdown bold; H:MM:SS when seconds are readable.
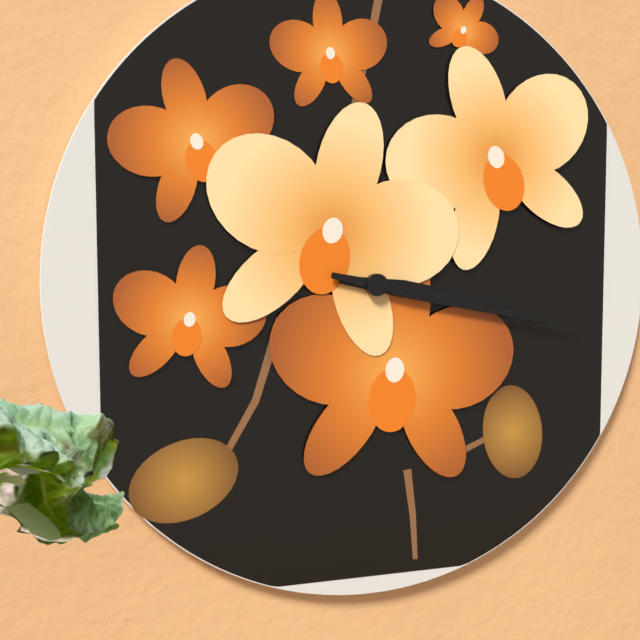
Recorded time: **3:17**
